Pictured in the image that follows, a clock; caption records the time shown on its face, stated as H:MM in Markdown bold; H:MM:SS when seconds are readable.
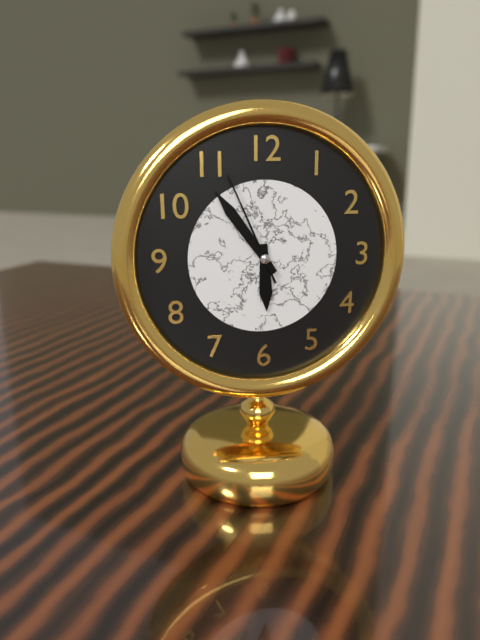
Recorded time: **5:54:56**
